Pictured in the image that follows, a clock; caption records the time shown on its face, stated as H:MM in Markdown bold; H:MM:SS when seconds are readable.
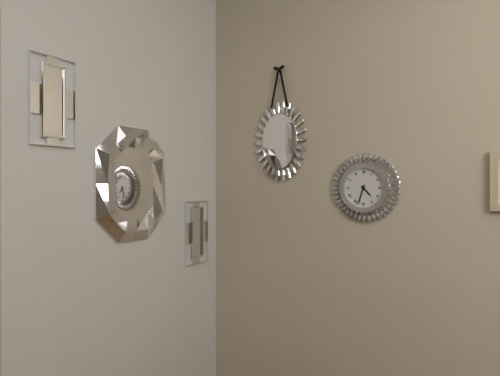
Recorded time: **4:33**
